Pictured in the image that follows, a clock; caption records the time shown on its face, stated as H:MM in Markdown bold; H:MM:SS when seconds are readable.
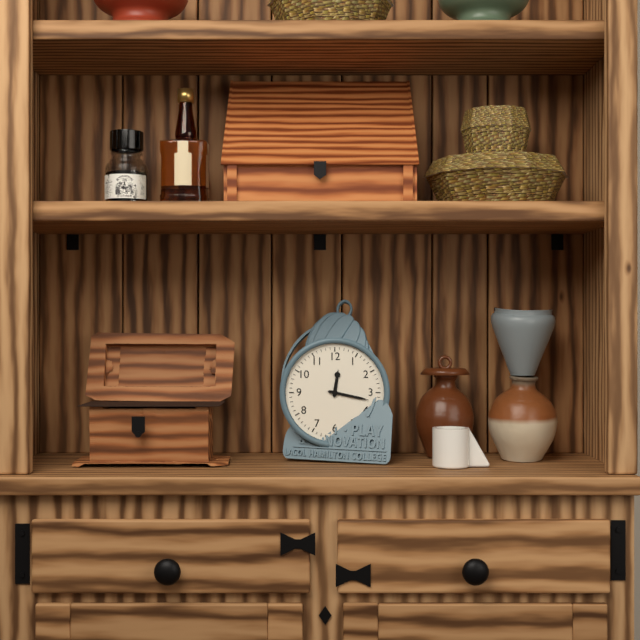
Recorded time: **12:17**
